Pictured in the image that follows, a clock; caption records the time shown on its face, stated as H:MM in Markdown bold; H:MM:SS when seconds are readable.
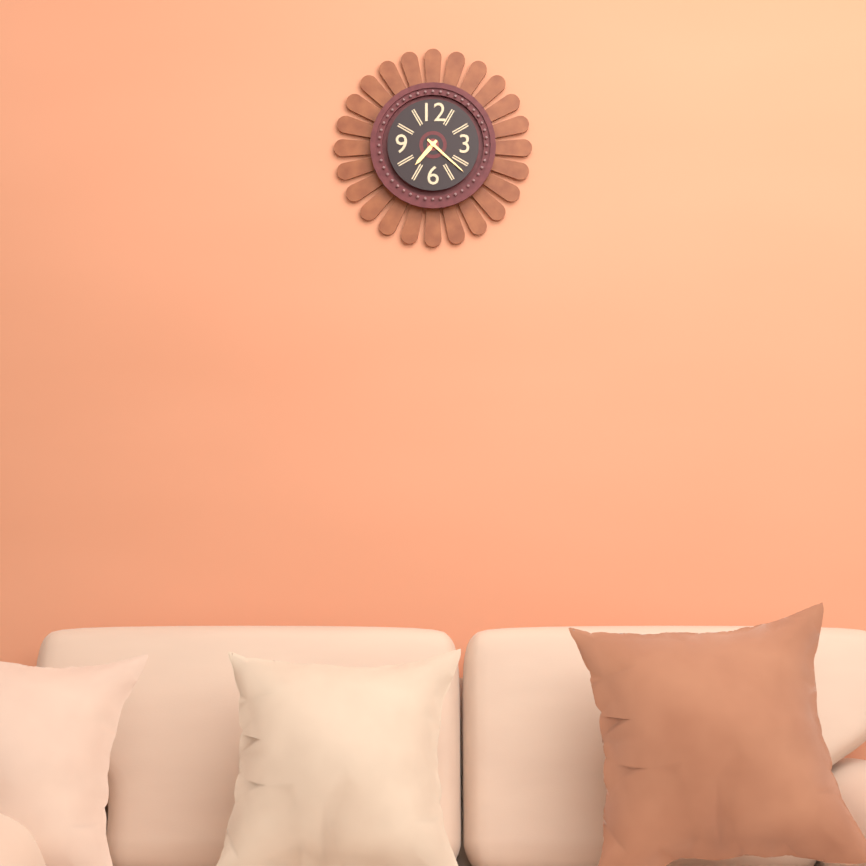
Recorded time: **7:22**
